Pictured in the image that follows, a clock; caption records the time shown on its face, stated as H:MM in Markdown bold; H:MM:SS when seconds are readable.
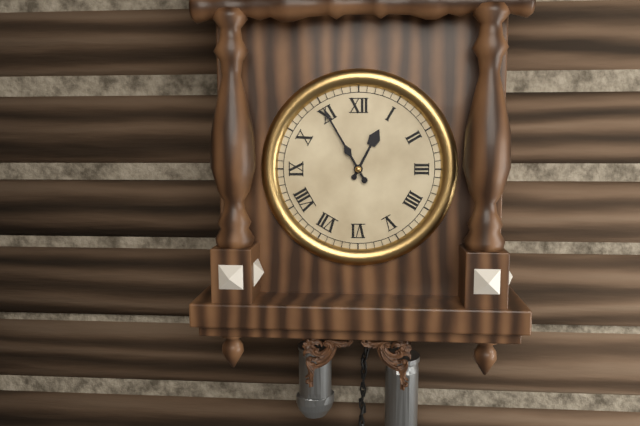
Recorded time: **12:55**
